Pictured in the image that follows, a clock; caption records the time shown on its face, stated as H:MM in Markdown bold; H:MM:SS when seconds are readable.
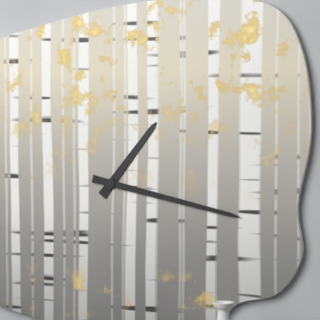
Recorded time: **1:17**
